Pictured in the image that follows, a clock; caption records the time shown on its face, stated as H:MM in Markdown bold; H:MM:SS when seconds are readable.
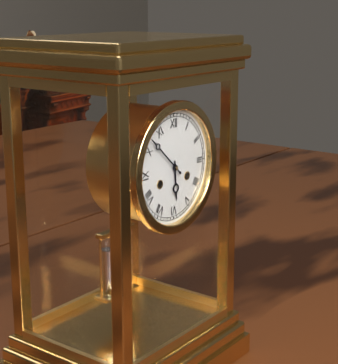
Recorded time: **5:52**
